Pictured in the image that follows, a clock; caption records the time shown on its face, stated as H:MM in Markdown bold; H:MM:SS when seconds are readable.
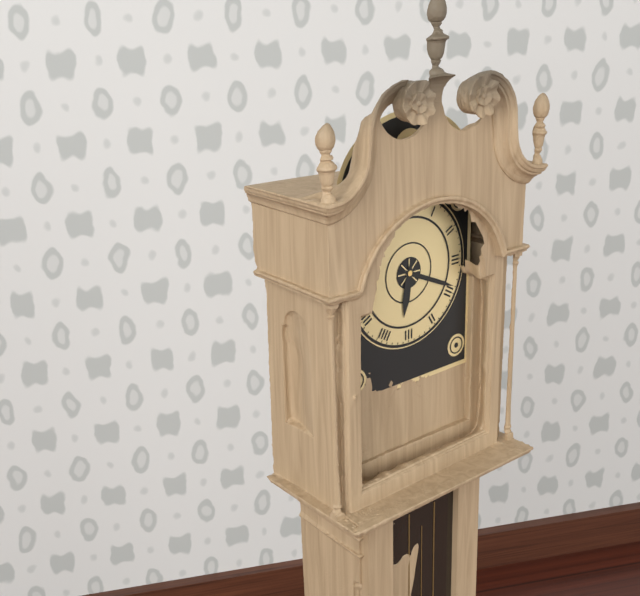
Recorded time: **6:19**
